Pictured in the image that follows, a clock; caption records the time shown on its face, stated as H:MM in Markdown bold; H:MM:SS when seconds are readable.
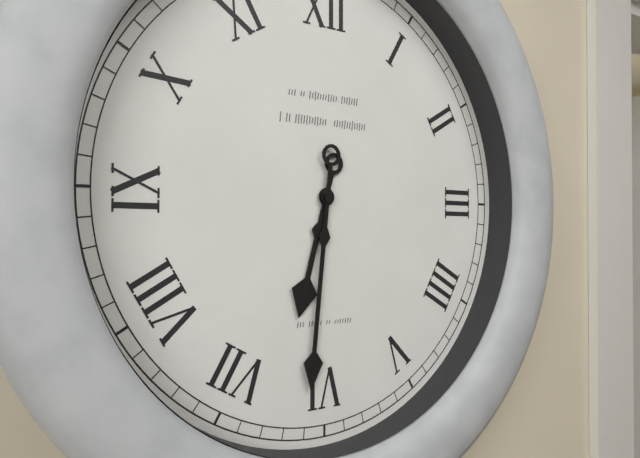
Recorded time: **6:31**
